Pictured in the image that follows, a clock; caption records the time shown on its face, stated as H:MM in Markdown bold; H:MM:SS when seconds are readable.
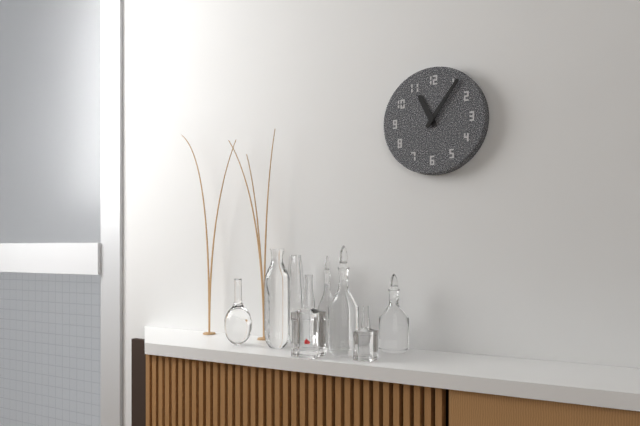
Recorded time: **11:06**
